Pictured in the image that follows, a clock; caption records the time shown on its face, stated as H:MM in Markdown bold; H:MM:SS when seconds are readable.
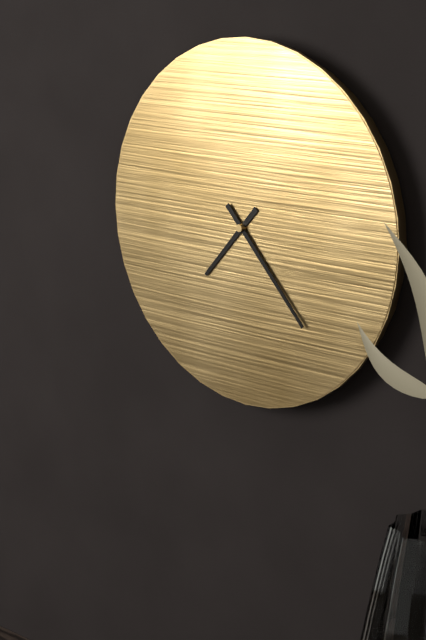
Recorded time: **7:23**
